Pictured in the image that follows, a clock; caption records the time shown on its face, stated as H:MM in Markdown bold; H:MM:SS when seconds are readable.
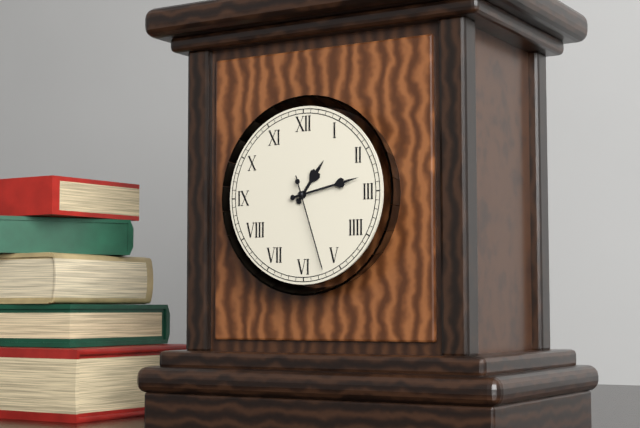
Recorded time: **1:13:27**
